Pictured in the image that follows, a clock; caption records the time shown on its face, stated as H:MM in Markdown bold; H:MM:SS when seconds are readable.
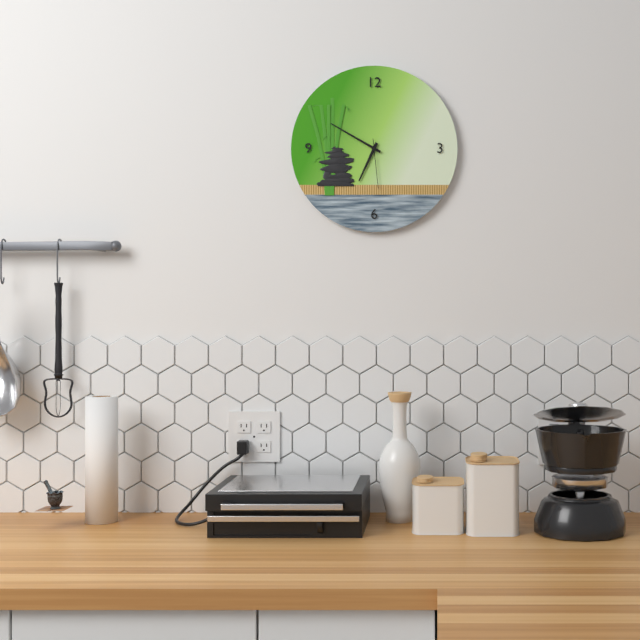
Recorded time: **6:50:29**
